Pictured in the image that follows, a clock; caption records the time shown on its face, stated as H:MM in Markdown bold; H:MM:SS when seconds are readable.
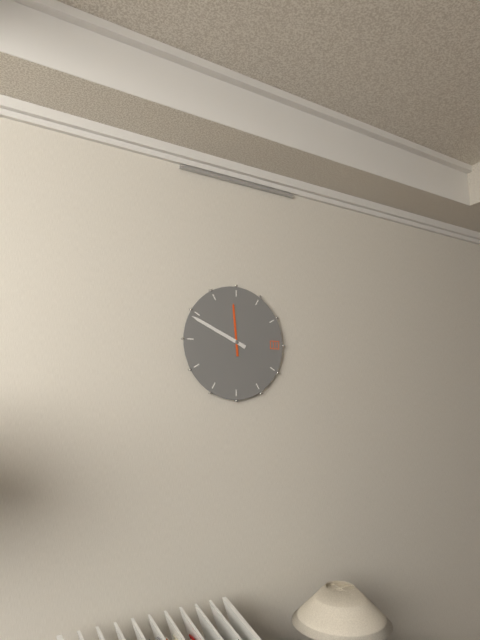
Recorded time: **11:49**
